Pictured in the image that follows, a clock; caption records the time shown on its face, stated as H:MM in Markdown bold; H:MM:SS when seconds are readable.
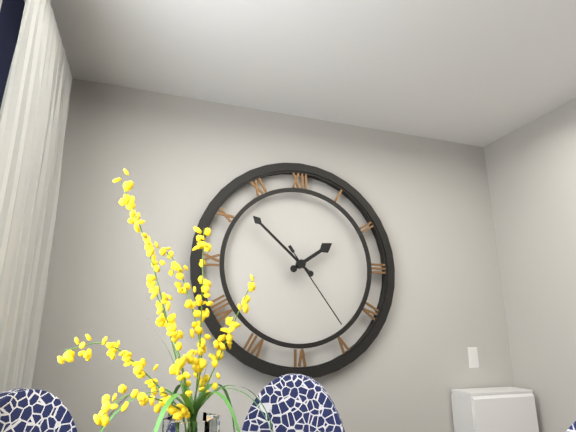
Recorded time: **1:52:24**
